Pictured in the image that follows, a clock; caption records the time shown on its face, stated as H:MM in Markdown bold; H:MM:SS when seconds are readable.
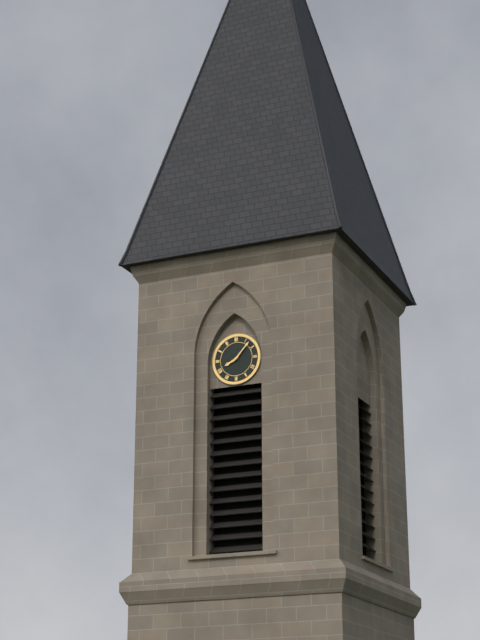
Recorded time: **8:07**
